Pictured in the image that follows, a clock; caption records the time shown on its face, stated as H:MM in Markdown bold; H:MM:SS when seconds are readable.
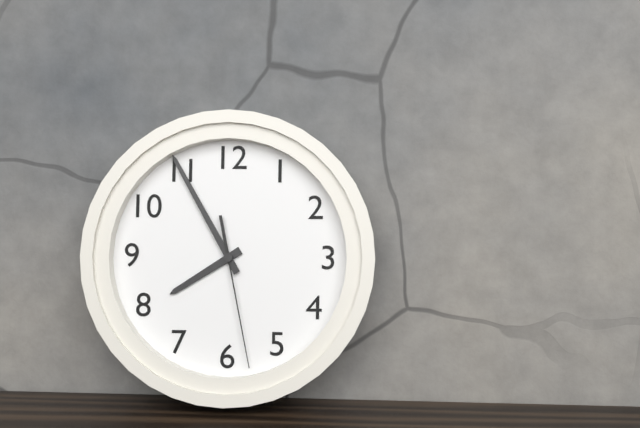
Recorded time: **7:55:28**
